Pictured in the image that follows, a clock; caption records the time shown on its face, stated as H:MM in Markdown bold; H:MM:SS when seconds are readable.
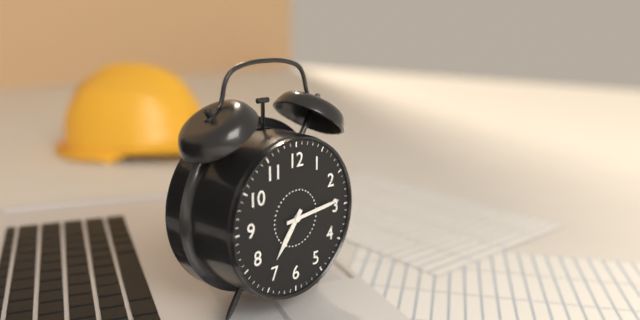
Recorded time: **7:14**
